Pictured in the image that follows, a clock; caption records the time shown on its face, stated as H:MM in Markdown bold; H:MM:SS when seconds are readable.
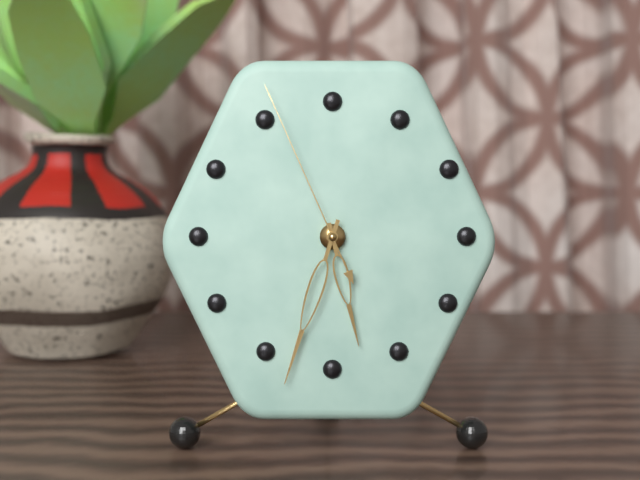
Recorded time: **5:33:56**
